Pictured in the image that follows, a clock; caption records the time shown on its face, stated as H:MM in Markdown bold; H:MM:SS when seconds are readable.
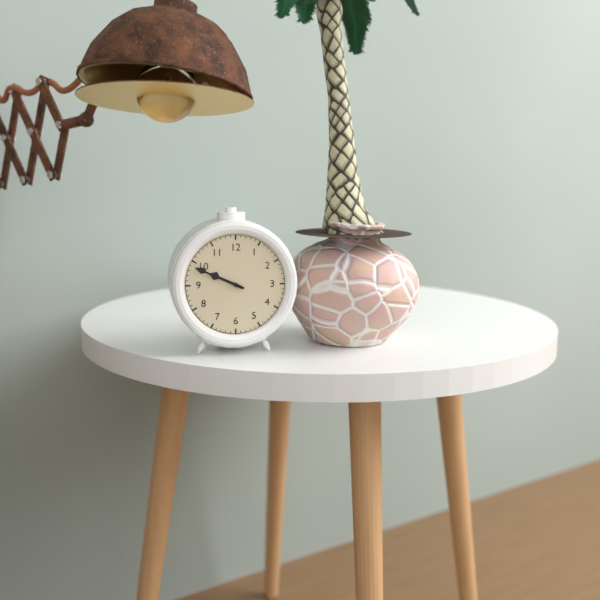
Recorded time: **9:49**
